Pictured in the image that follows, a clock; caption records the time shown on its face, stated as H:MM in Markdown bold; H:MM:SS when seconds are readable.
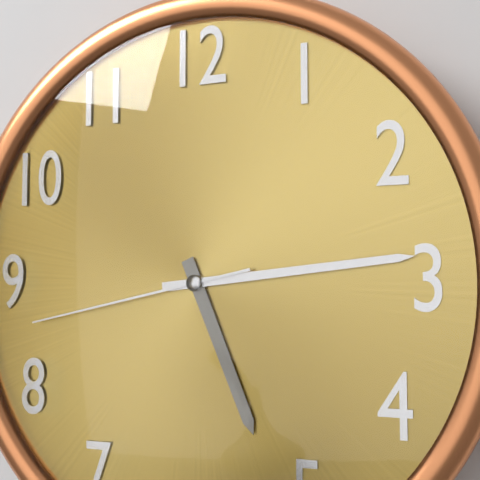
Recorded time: **5:14:43**
